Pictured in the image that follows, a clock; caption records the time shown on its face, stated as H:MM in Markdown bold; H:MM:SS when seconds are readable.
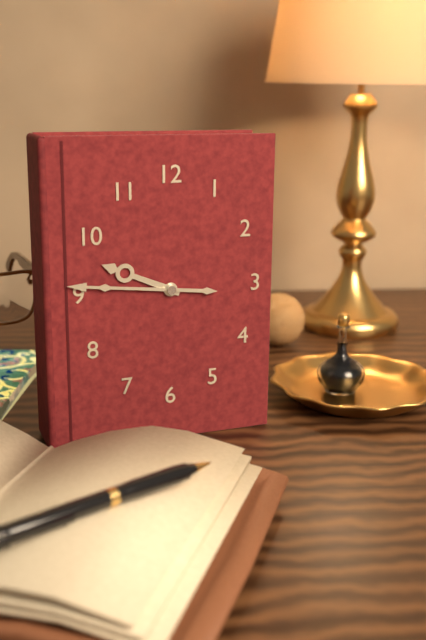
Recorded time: **9:46**
